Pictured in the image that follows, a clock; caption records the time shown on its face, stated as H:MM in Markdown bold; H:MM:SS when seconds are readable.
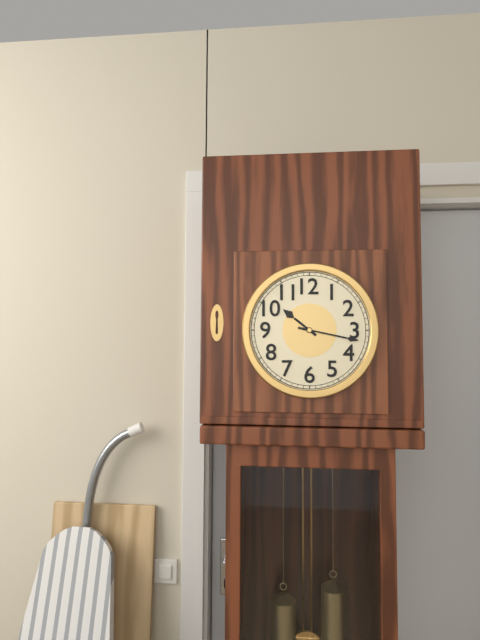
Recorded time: **10:17**
